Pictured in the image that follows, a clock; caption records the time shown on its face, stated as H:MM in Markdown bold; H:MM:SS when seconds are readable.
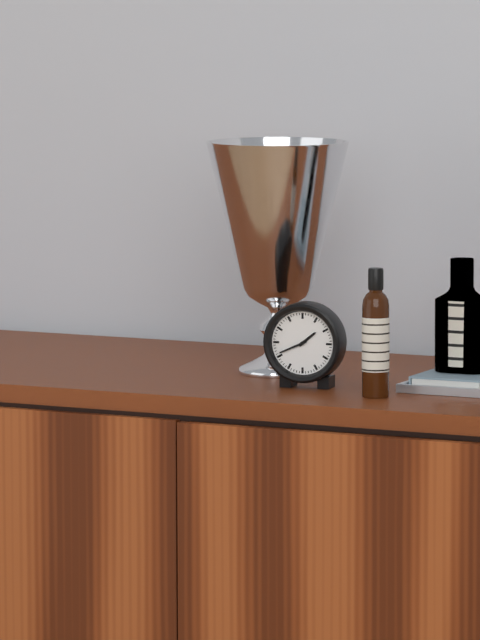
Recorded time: **1:41**
